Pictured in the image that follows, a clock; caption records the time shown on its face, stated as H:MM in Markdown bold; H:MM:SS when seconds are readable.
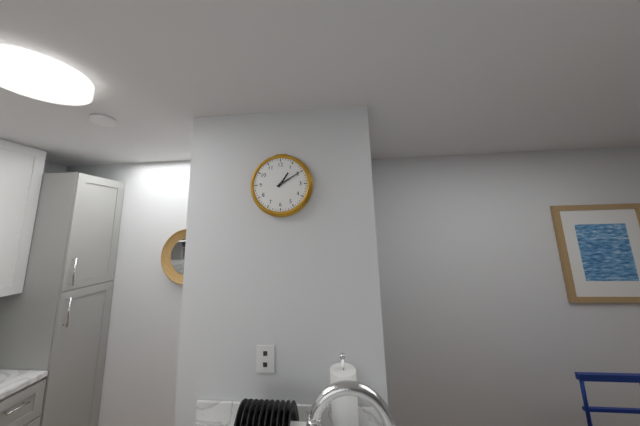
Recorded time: **1:10**
